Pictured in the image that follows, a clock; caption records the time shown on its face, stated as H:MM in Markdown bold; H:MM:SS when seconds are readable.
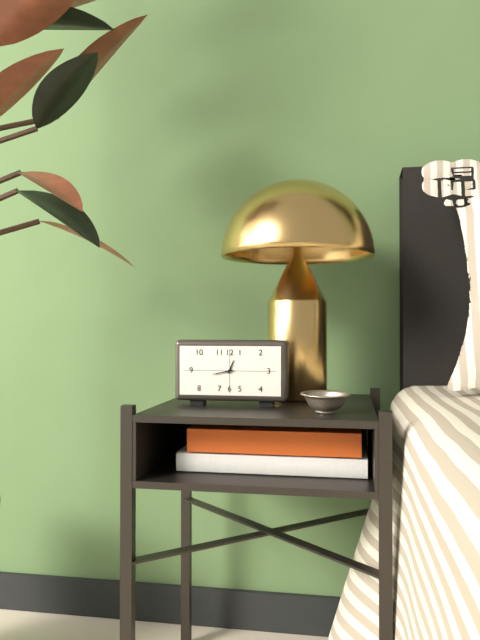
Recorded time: **12:43**
